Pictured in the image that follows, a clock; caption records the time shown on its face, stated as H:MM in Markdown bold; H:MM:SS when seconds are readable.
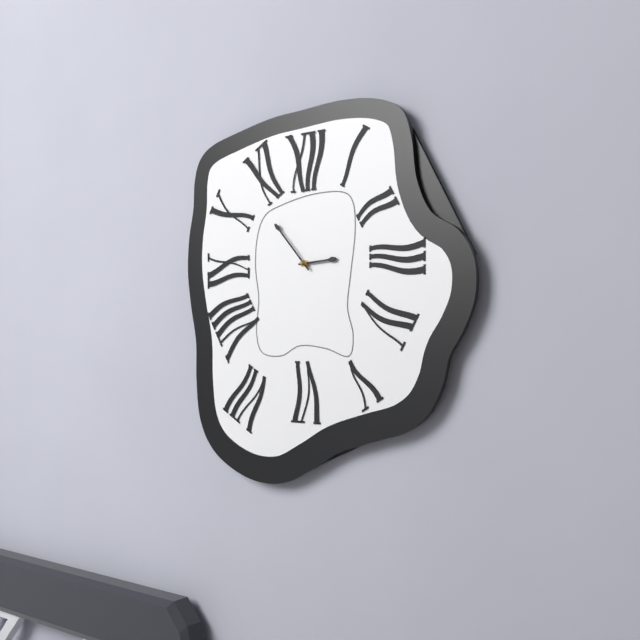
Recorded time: **2:53**
